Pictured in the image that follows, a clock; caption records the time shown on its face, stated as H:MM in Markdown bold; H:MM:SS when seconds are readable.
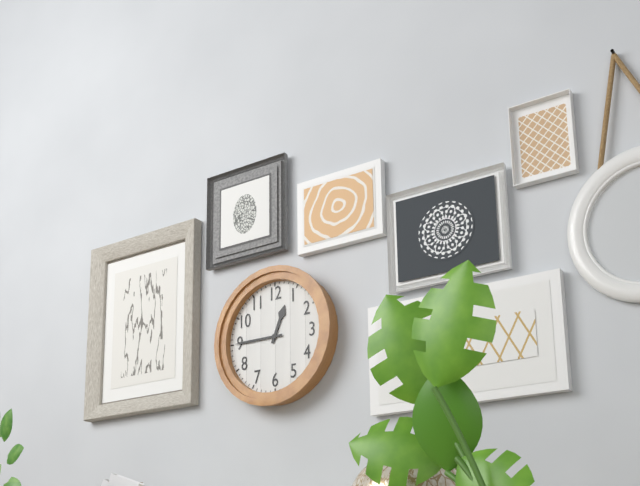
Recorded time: **12:45**
